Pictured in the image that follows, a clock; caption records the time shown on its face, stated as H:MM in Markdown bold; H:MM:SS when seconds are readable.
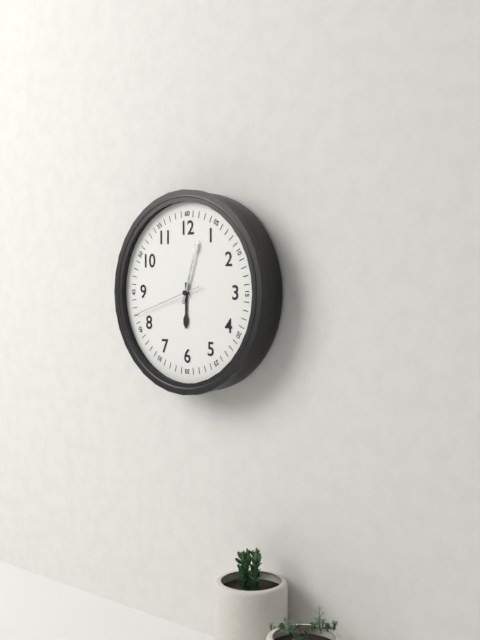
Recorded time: **6:03:42**
